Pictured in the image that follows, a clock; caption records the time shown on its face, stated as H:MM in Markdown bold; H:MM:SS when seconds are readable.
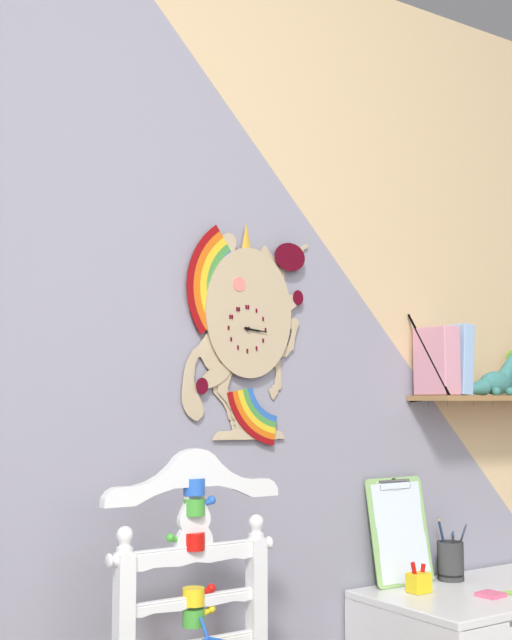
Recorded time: **3:16**
